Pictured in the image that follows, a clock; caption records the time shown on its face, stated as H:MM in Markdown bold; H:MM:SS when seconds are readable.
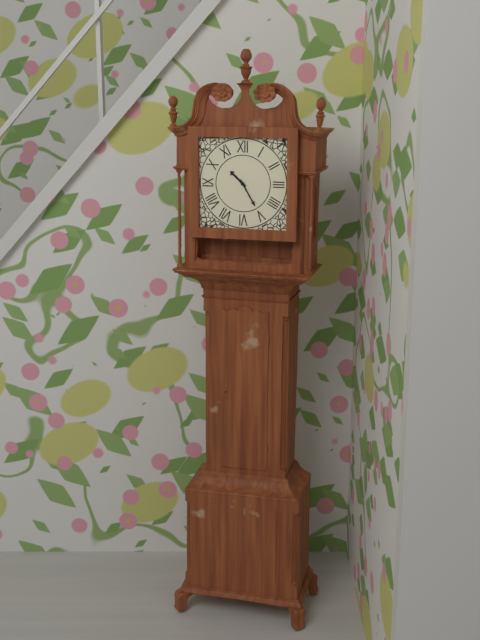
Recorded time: **10:25**
